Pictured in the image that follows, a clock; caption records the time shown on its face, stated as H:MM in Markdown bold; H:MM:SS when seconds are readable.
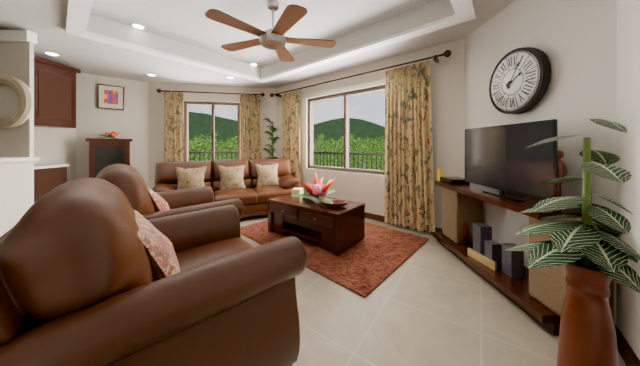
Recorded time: **2:05**
